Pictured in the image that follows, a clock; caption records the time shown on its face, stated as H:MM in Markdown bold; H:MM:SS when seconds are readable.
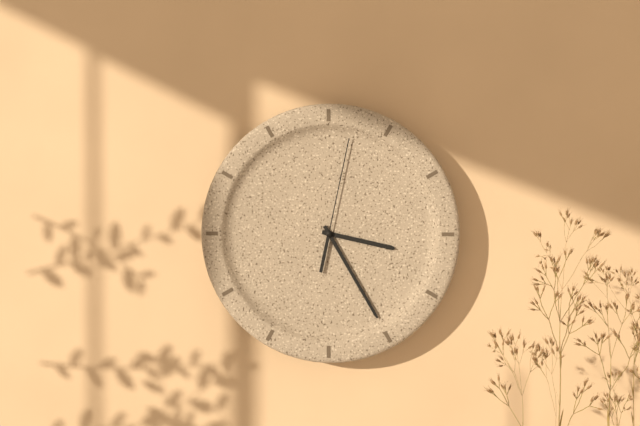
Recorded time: **3:25:02**
